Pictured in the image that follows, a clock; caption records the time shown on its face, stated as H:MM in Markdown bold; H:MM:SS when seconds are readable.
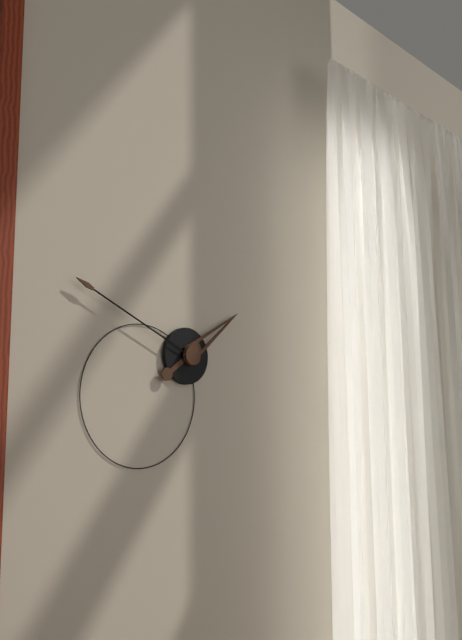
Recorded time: **1:49**
